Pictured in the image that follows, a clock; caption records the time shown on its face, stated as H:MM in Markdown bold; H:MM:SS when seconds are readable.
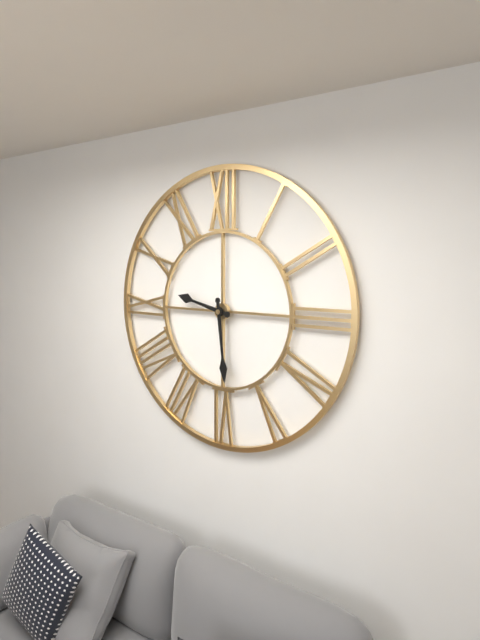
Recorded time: **9:29**
